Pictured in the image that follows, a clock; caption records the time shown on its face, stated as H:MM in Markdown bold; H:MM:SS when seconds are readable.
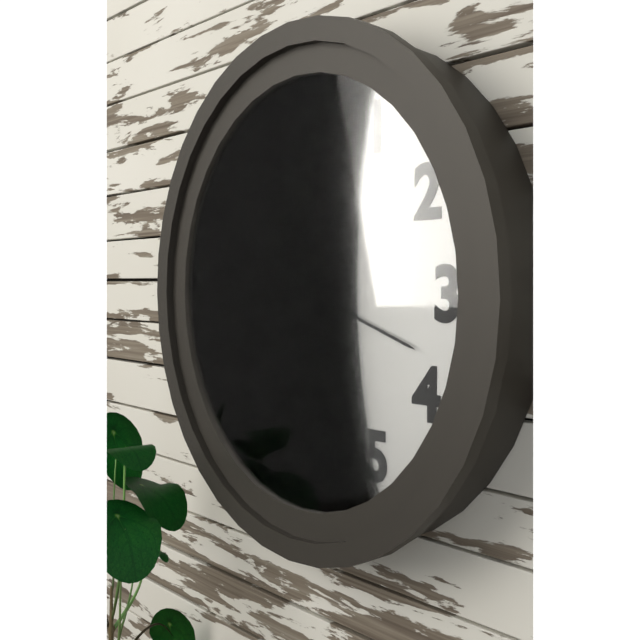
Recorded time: **10:43:18**
